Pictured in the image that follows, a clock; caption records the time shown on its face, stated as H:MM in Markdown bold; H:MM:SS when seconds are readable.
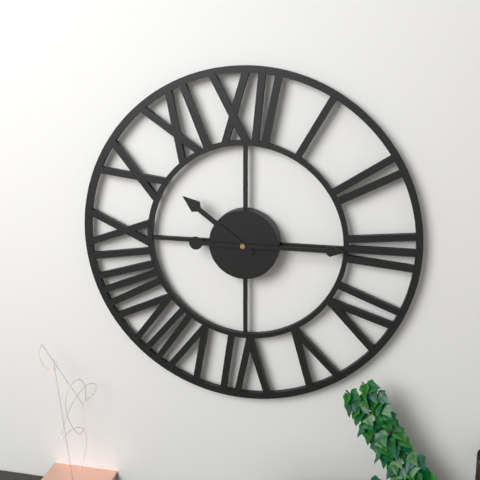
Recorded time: **10:15**
